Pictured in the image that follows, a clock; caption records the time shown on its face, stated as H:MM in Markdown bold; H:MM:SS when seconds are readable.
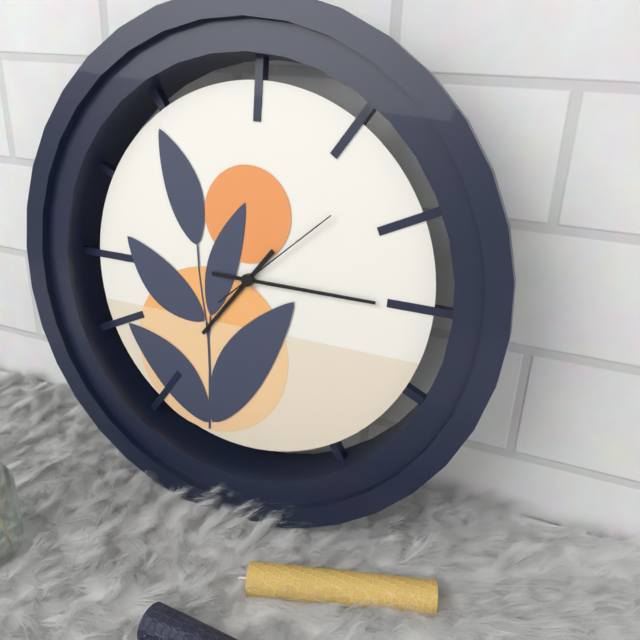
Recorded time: **7:15:08**
